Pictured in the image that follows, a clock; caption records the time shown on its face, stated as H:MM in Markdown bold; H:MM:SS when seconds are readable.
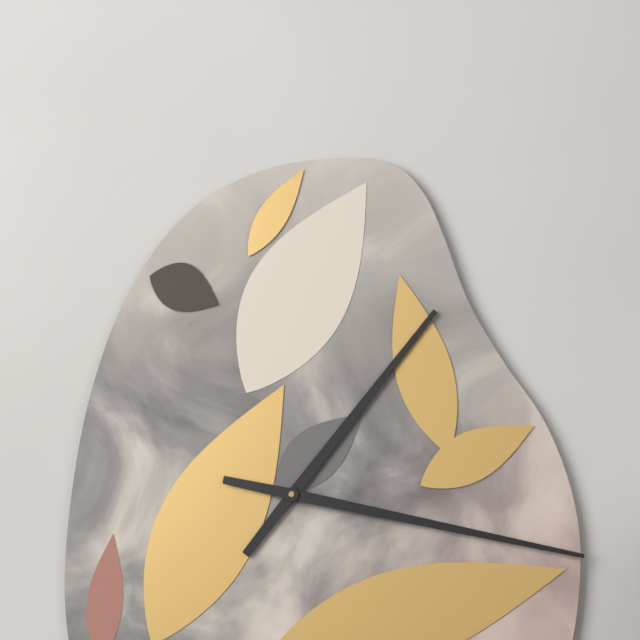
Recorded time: **1:17**
